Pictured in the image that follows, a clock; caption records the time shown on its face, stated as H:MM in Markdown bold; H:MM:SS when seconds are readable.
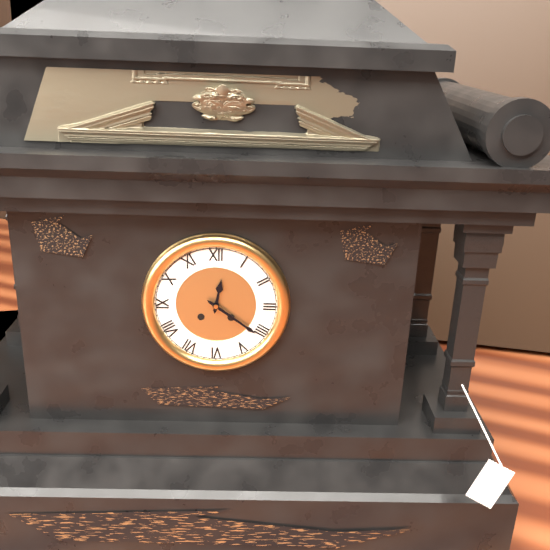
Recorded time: **12:21**
